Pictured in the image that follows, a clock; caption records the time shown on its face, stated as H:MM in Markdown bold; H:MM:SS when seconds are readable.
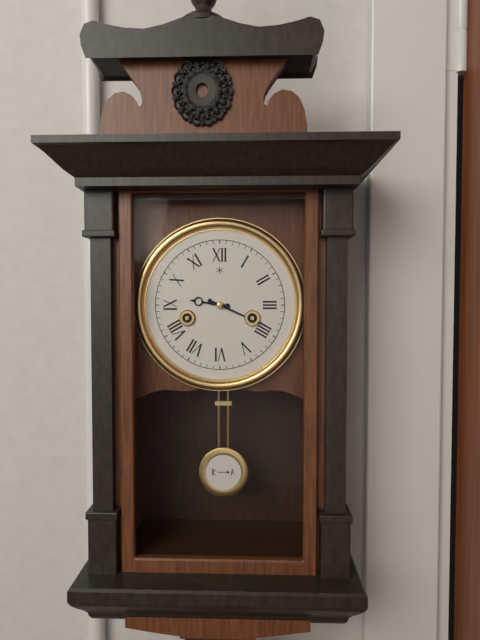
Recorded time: **9:19**
